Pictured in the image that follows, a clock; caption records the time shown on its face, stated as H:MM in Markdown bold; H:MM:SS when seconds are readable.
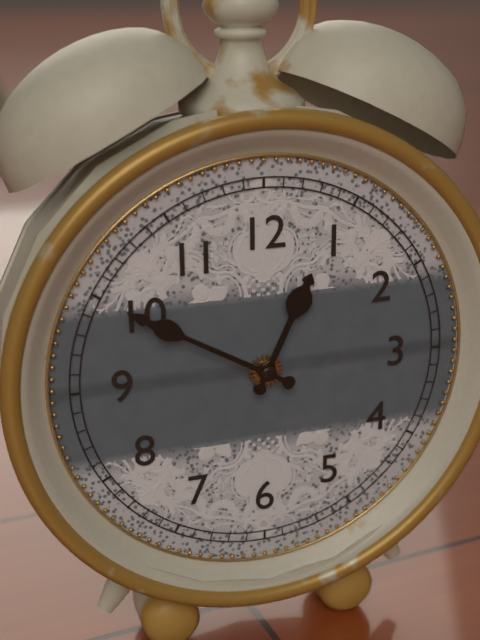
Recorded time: **12:50**
